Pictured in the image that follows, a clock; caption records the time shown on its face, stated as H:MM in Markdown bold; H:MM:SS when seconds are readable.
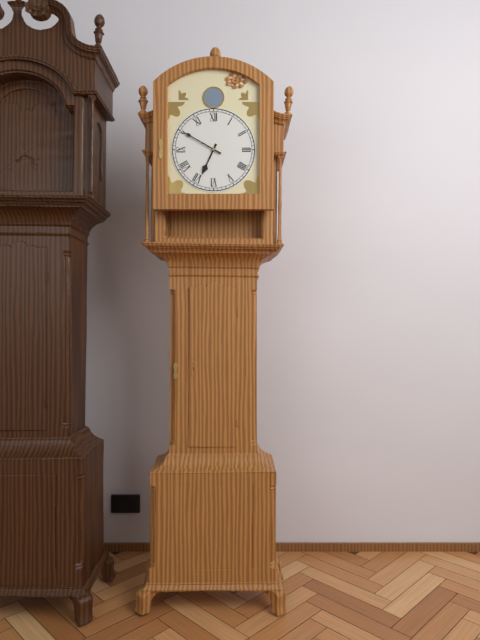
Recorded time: **6:50**
